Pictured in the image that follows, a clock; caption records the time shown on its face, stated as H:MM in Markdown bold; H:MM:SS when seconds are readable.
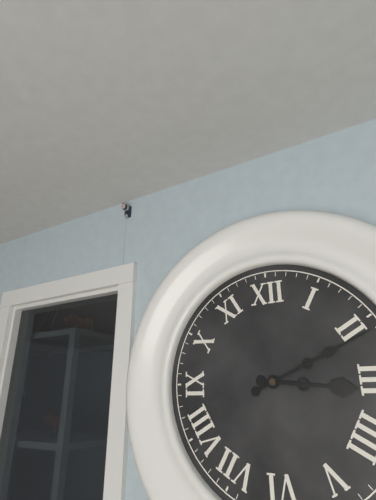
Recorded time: **3:11**
